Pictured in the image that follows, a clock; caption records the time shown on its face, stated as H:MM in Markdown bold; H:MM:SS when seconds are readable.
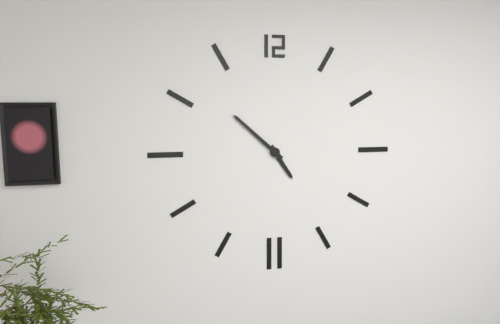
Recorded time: **4:52**
